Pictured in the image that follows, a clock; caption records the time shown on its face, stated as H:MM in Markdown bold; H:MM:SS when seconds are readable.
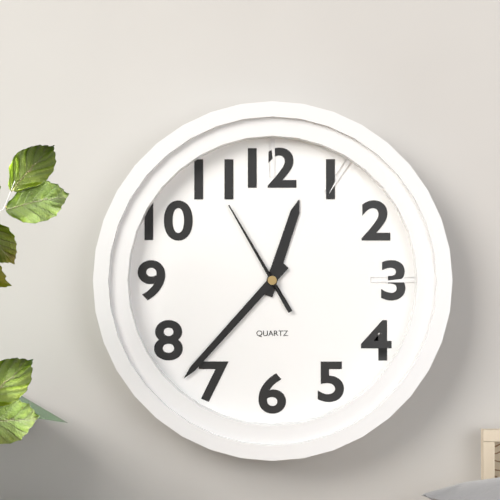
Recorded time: **12:37:55**
